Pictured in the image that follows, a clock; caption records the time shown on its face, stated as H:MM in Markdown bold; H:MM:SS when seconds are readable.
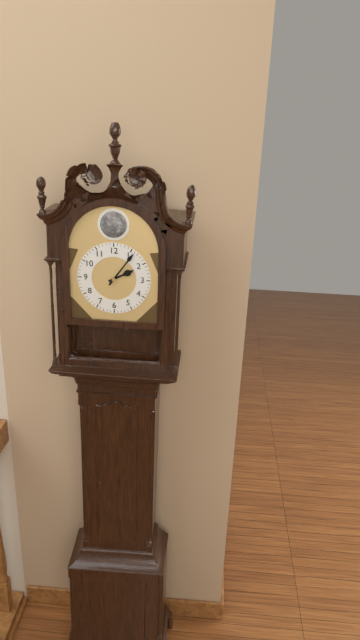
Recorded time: **2:06**
